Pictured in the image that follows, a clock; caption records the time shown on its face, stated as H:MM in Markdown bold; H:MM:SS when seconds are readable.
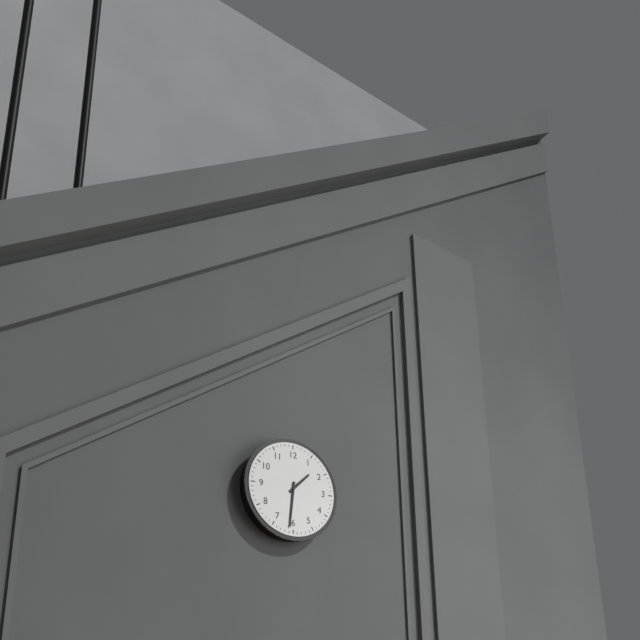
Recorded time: **1:31**
